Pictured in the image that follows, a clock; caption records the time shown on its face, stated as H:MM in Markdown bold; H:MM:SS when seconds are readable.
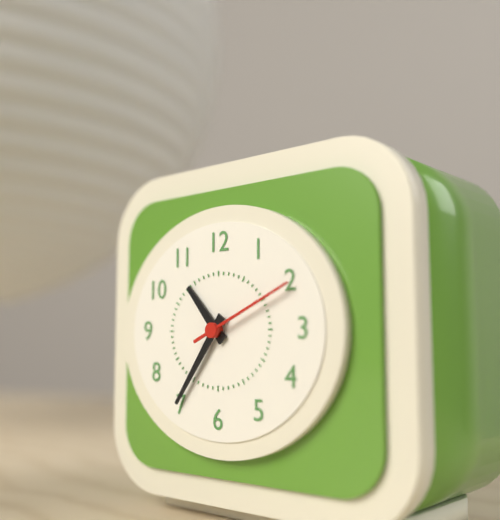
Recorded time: **10:36:11**
